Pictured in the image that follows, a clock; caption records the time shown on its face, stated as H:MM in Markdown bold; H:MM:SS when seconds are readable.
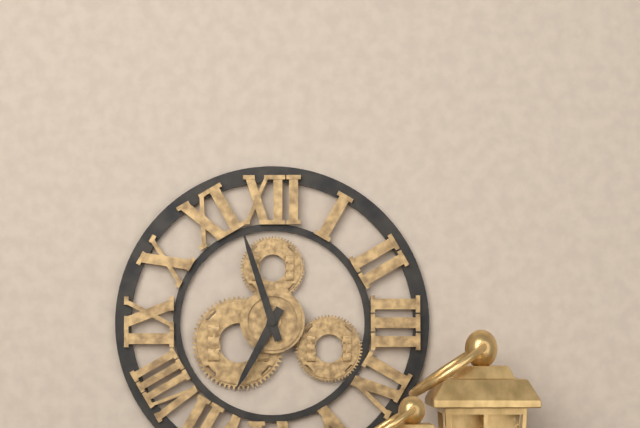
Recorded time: **6:57**
